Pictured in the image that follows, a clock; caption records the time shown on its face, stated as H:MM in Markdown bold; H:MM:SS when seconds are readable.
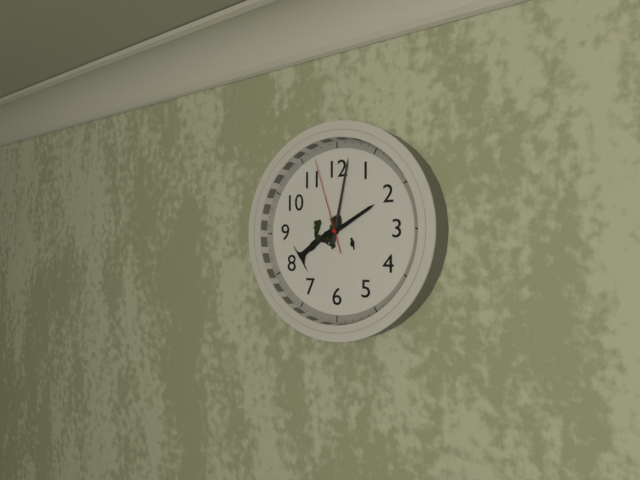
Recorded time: **2:02:57**
